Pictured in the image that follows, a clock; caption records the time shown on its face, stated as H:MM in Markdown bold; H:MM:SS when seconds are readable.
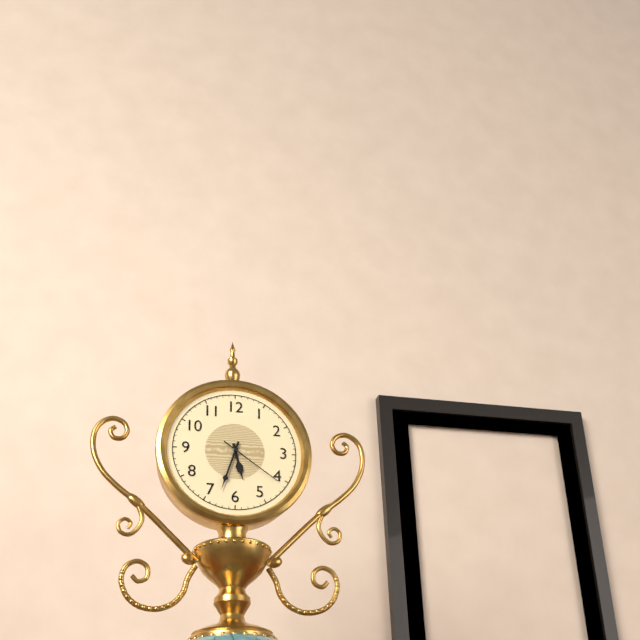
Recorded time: **5:33:21**
